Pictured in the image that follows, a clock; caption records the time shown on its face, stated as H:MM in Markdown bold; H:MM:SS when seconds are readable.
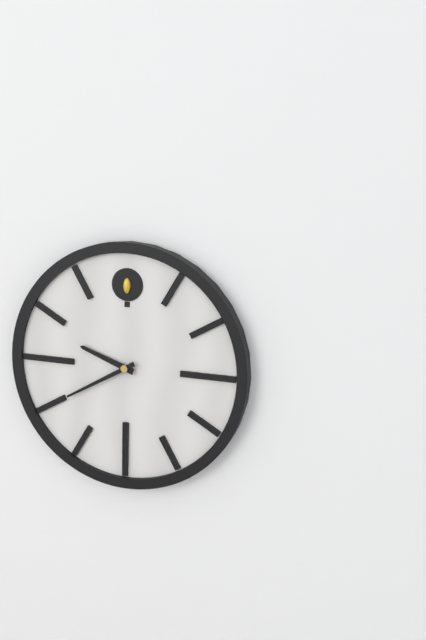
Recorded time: **9:40**
